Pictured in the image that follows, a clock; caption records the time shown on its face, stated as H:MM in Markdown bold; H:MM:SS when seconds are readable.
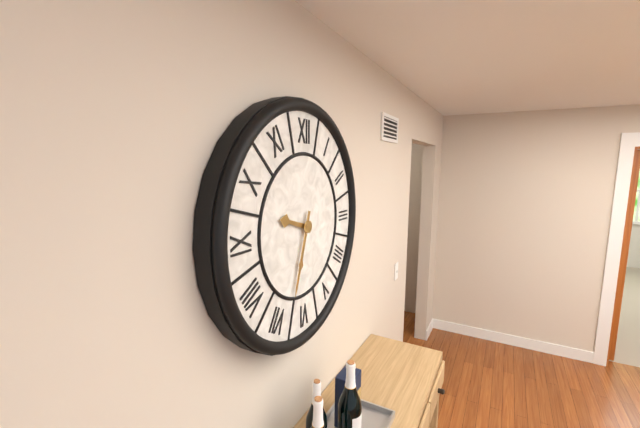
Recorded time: **9:33**
